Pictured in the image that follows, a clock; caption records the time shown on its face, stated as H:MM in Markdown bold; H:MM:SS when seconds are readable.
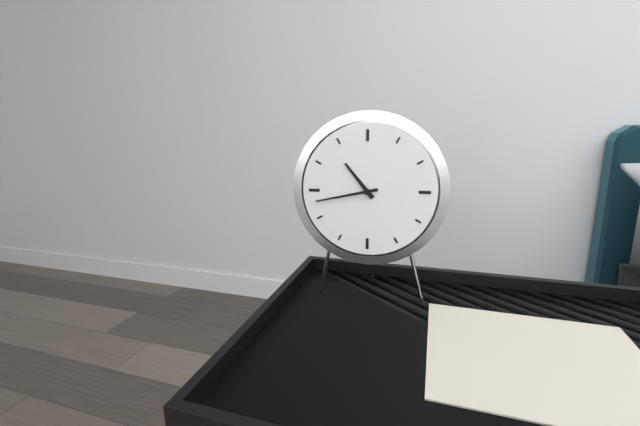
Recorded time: **10:43**
